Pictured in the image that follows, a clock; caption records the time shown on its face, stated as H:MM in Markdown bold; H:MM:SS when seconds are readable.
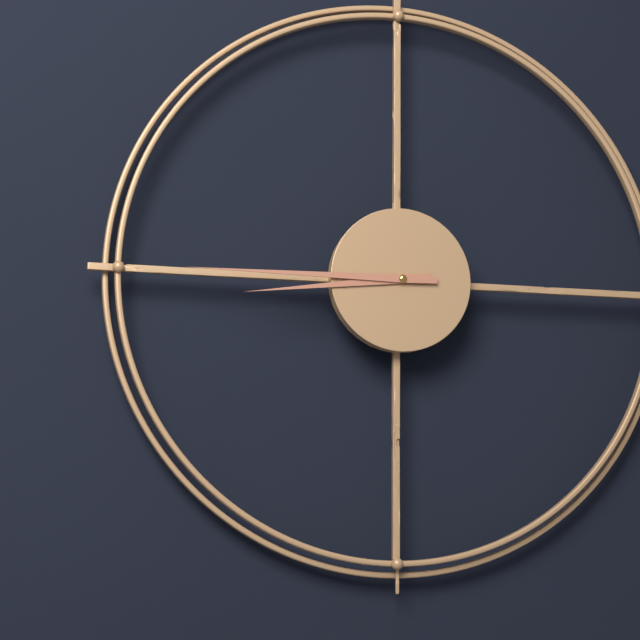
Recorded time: **8:45**
